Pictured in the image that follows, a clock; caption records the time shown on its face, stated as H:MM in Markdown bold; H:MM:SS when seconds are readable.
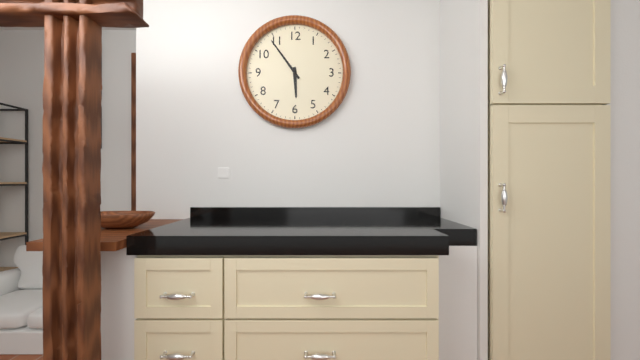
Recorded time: **5:54**
